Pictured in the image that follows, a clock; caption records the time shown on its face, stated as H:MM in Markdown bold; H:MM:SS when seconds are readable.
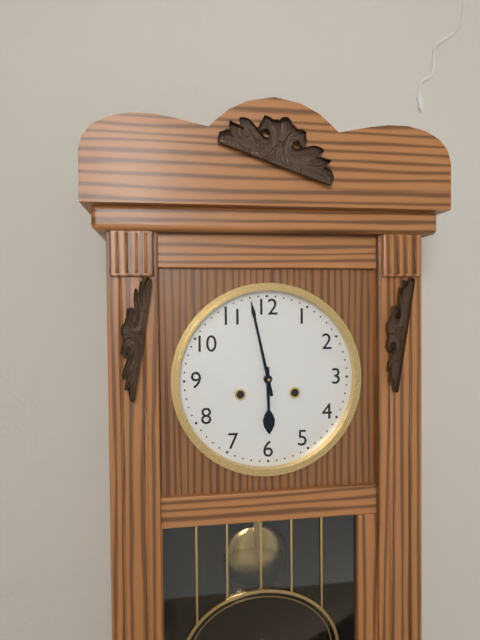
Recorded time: **5:58**
